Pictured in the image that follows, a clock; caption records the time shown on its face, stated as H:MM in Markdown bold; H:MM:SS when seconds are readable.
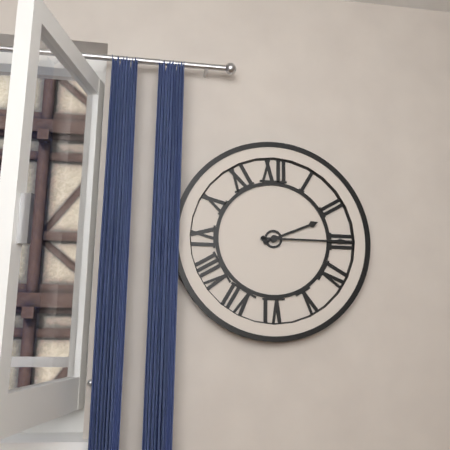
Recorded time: **2:15**
